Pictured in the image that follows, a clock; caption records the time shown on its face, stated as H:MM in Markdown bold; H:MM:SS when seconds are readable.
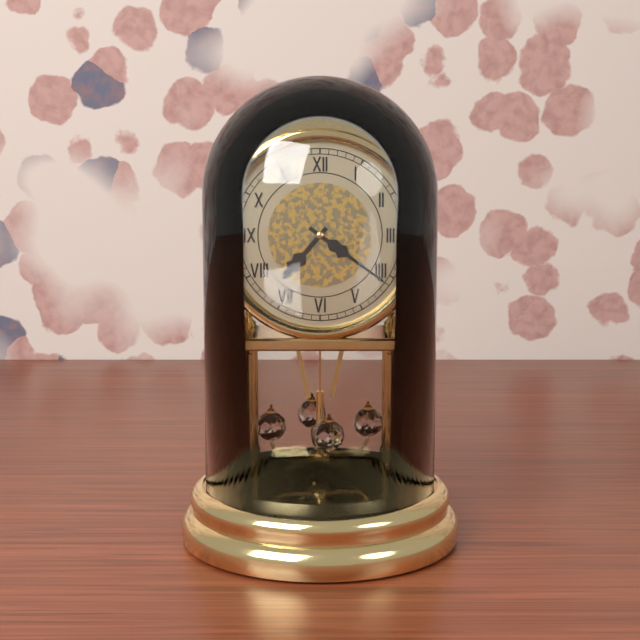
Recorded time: **7:21**
